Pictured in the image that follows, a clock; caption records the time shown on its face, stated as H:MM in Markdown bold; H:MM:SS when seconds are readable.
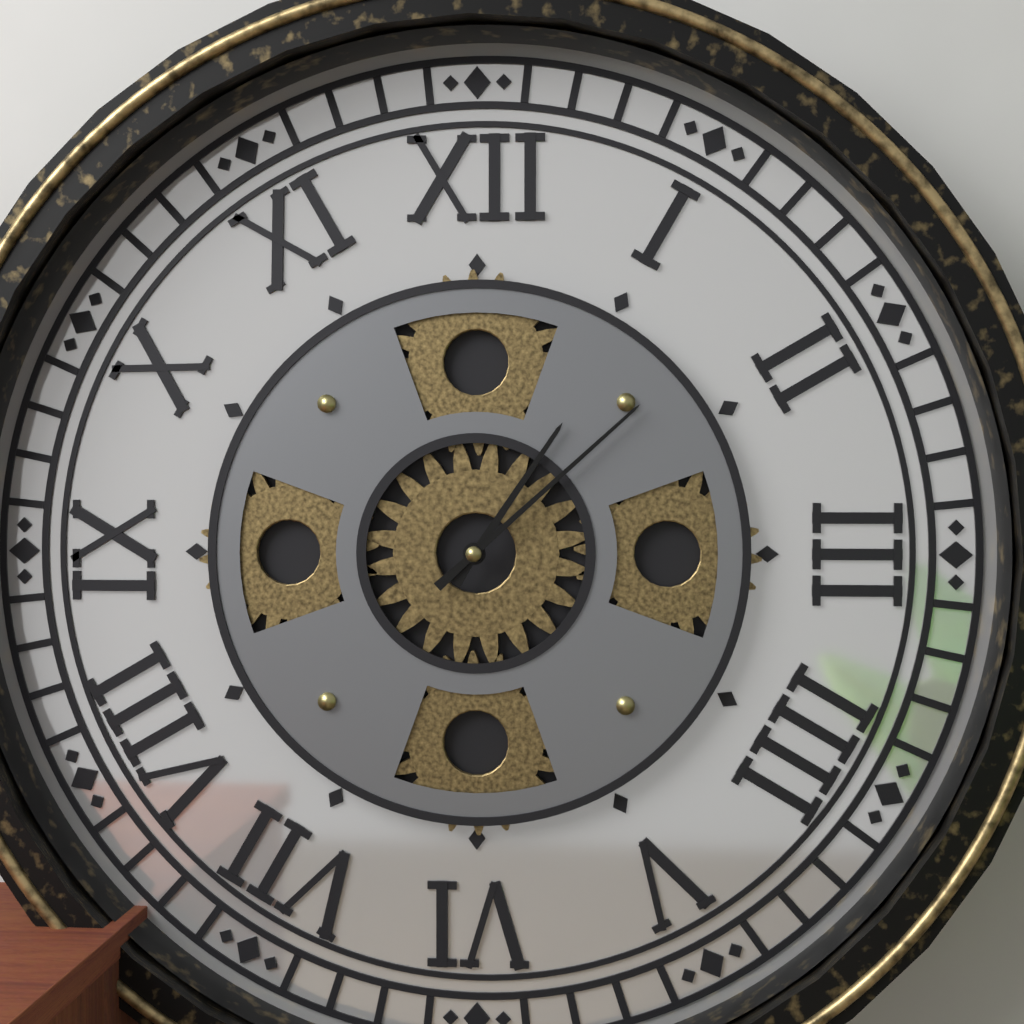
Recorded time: **1:08**
